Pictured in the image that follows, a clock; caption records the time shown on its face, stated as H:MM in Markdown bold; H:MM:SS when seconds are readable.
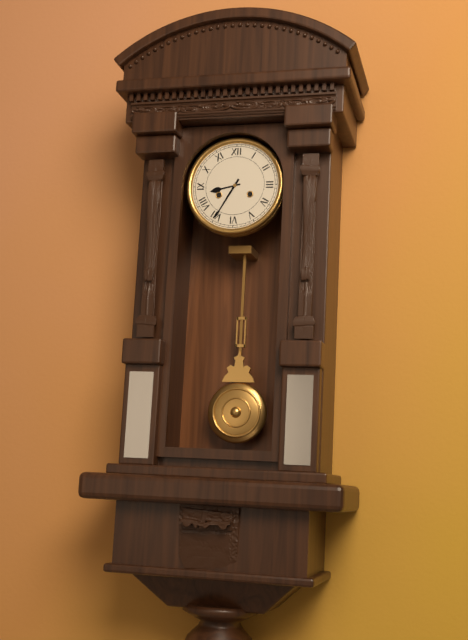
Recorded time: **8:35**
